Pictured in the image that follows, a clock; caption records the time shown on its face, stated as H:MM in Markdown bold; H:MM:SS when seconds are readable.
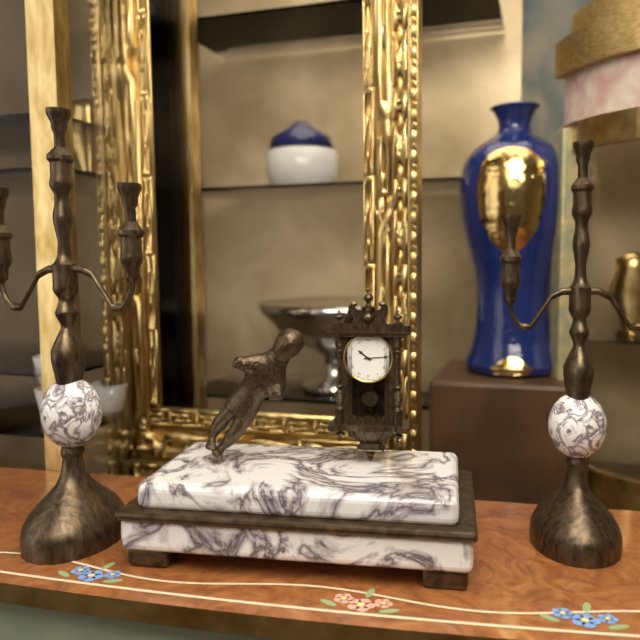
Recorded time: **10:14**
